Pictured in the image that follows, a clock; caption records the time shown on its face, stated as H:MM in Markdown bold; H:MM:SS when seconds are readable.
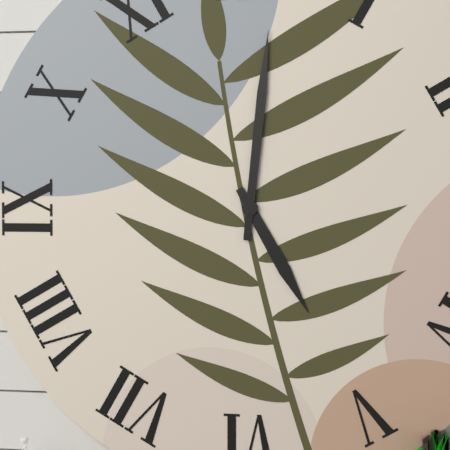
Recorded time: **5:01**
